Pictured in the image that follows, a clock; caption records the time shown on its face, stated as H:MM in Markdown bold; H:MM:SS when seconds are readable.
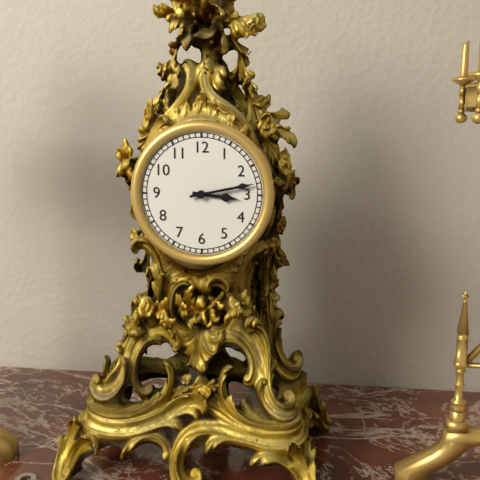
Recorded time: **3:13**
